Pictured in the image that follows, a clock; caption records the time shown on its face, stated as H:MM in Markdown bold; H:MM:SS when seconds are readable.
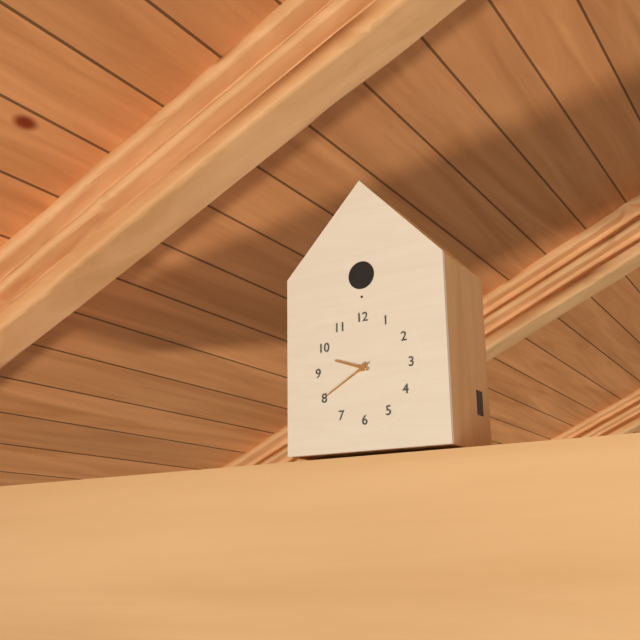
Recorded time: **9:40**
